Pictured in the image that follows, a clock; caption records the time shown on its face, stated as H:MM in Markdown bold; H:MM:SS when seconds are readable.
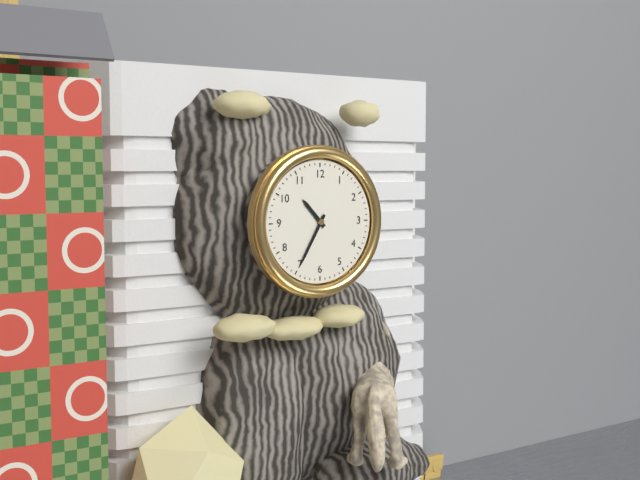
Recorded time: **10:35**
